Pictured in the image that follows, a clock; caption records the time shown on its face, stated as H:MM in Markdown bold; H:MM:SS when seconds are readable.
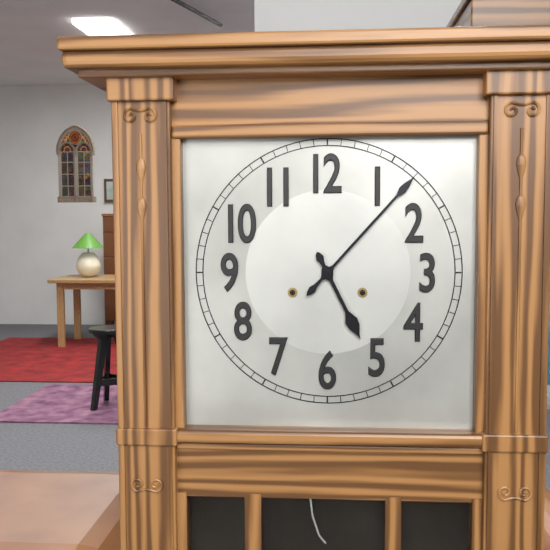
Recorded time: **5:07**
